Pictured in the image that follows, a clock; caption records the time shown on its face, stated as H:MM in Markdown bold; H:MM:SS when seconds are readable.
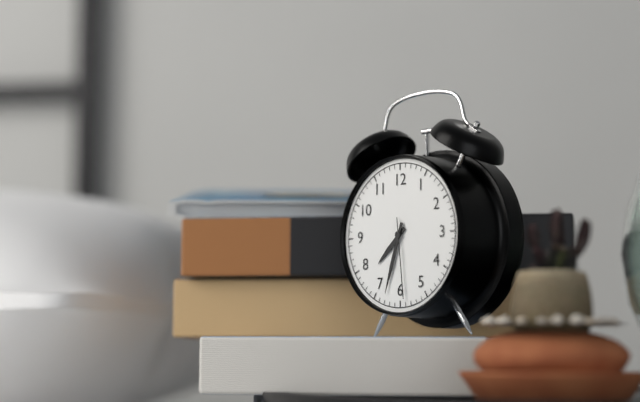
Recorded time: **7:33:29**
